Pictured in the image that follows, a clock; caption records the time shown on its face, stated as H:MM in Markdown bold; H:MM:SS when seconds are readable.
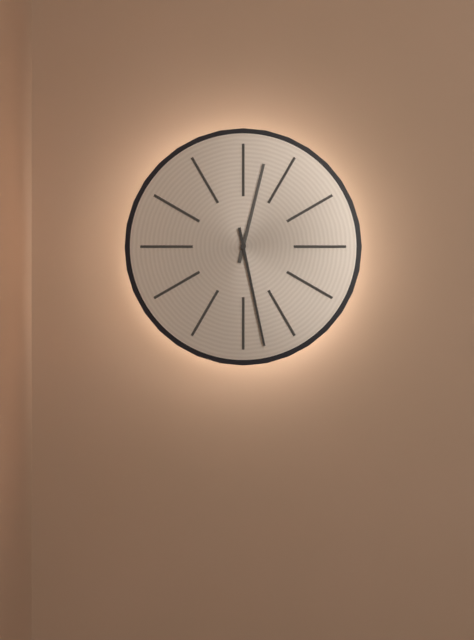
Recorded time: **12:28**
